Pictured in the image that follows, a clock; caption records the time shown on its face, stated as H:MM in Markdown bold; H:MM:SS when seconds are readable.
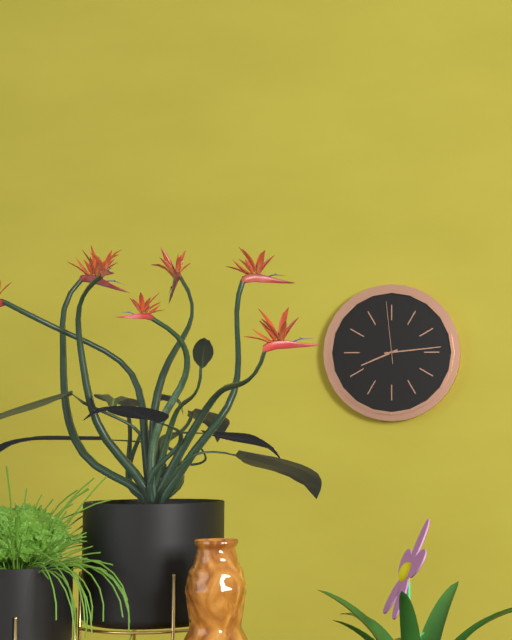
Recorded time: **8:14:59**
